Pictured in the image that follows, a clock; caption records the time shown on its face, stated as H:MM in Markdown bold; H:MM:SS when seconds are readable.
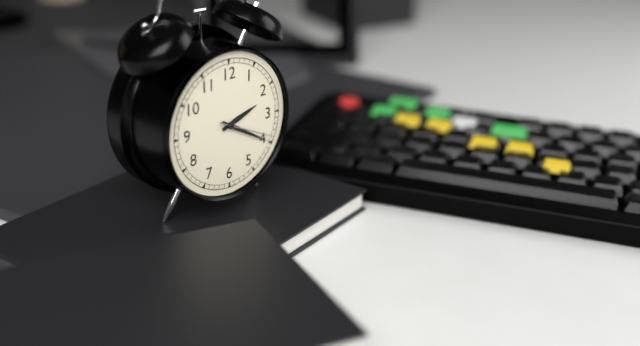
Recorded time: **2:20:19**
